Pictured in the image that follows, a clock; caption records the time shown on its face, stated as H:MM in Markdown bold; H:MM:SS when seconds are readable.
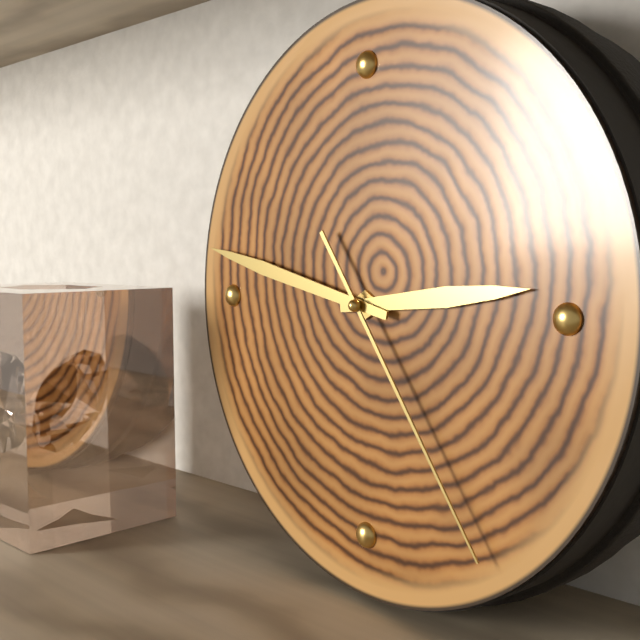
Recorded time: **2:47:24**
